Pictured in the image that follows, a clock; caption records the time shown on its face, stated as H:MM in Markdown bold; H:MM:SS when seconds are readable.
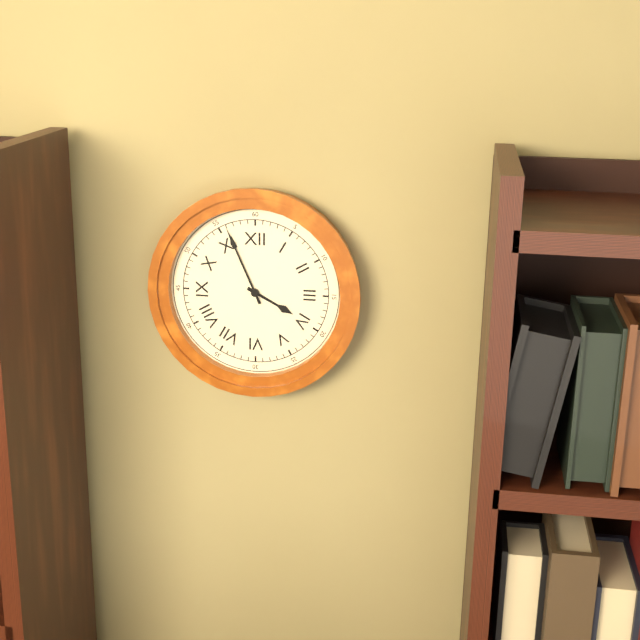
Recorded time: **3:56**
